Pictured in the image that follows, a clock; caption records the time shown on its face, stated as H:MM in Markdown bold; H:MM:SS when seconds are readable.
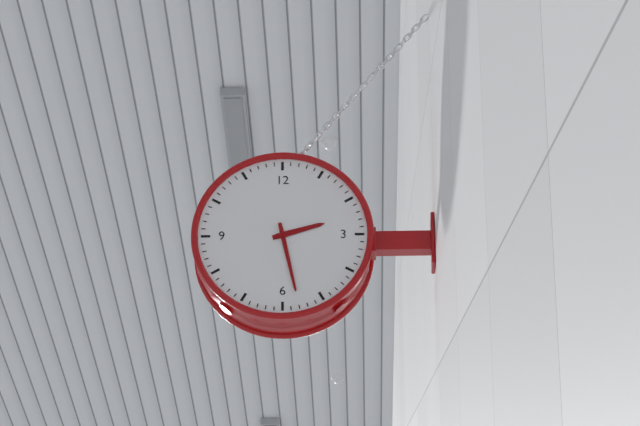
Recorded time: **2:28**
